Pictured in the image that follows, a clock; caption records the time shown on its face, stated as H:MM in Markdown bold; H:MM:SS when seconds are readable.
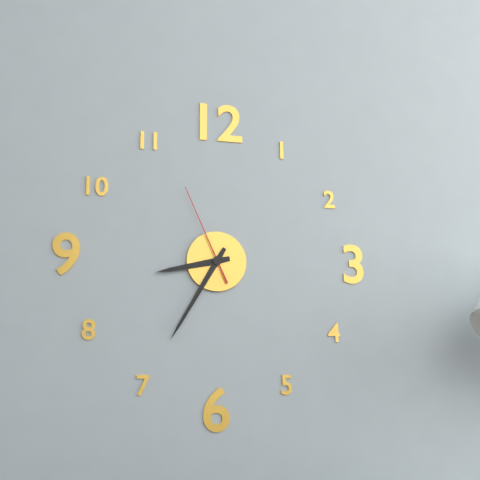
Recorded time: **8:35:56**
